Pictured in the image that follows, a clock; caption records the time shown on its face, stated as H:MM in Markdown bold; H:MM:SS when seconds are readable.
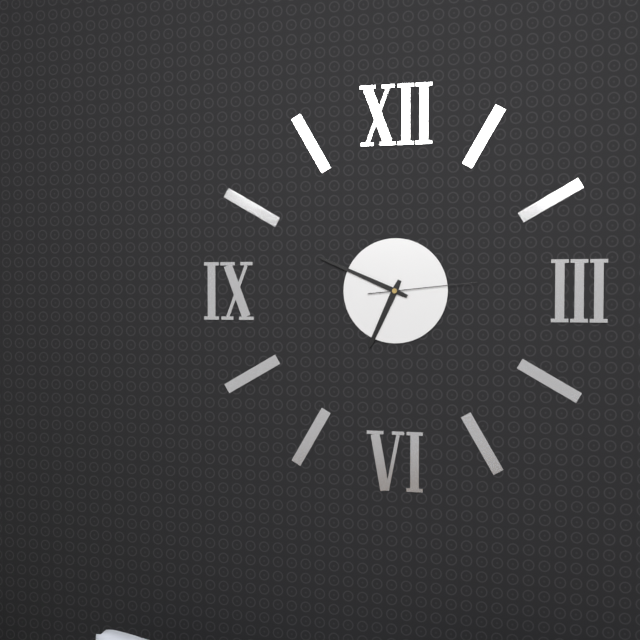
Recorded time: **6:49:14**
